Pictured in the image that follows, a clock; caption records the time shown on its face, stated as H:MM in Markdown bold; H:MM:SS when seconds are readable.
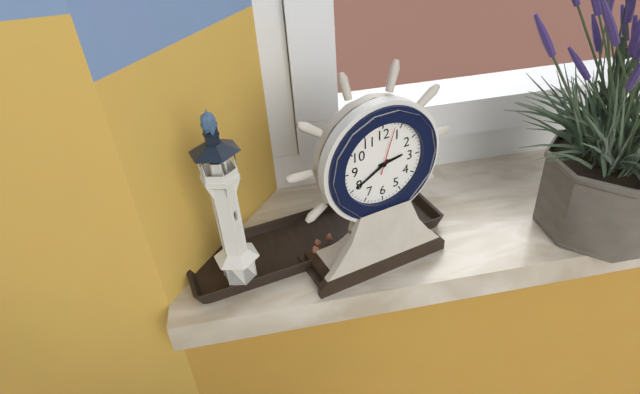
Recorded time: **2:40**
